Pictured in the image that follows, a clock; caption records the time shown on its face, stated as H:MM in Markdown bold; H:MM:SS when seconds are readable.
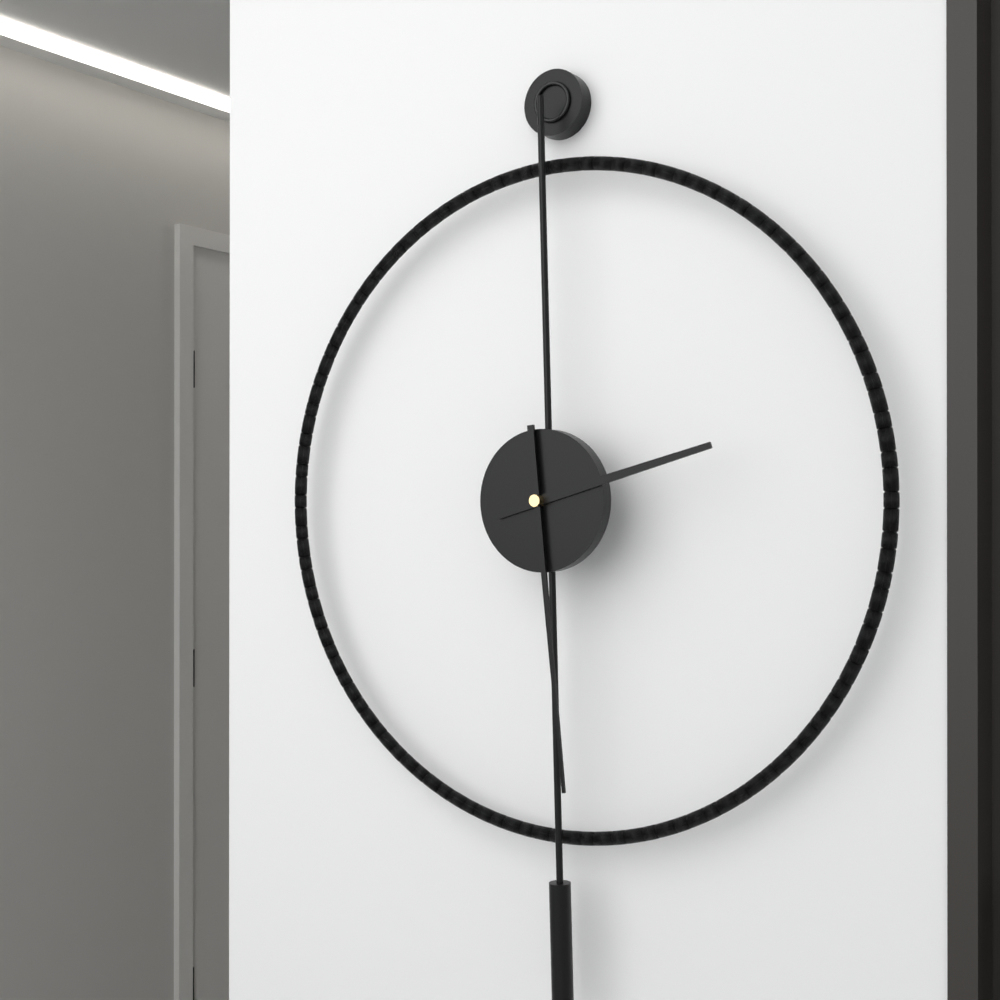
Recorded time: **2:29**
